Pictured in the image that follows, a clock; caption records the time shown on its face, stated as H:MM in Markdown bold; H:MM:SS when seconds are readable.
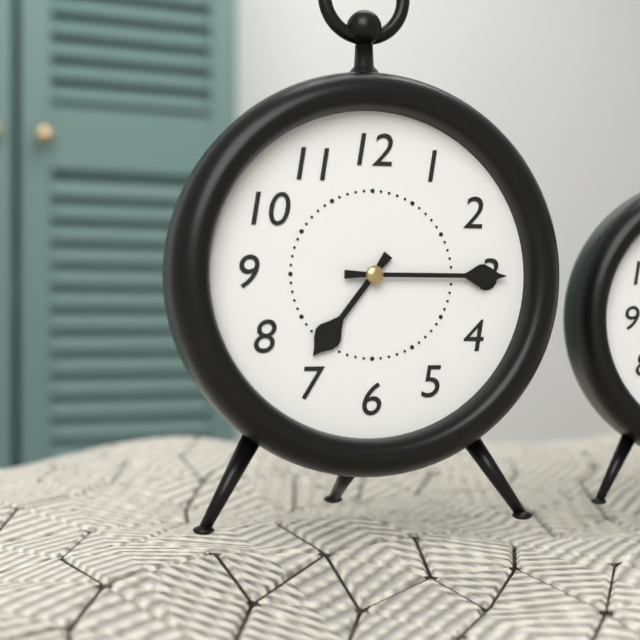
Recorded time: **7:15**
